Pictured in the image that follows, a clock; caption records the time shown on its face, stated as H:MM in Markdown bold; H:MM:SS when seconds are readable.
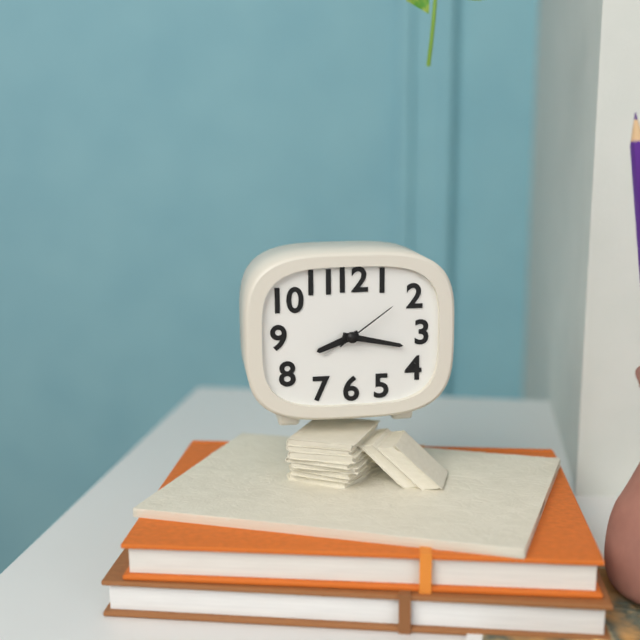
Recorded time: **8:17:09**
